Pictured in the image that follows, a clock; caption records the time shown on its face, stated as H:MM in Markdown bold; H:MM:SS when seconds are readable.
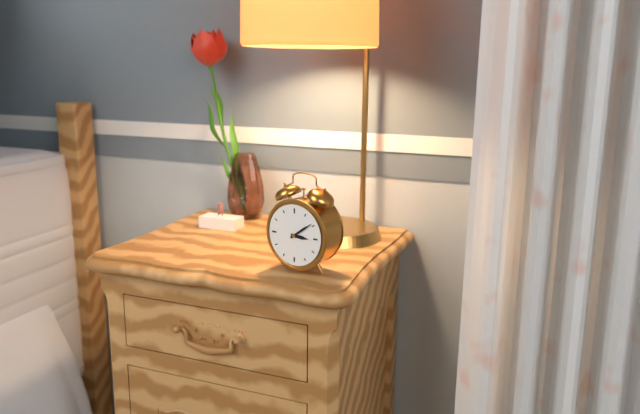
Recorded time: **3:09**
